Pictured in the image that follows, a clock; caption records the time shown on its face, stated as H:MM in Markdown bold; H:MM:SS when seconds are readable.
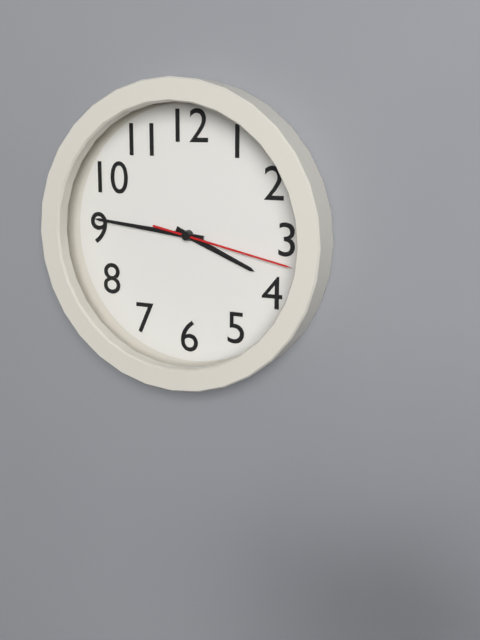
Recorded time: **3:46:17**
